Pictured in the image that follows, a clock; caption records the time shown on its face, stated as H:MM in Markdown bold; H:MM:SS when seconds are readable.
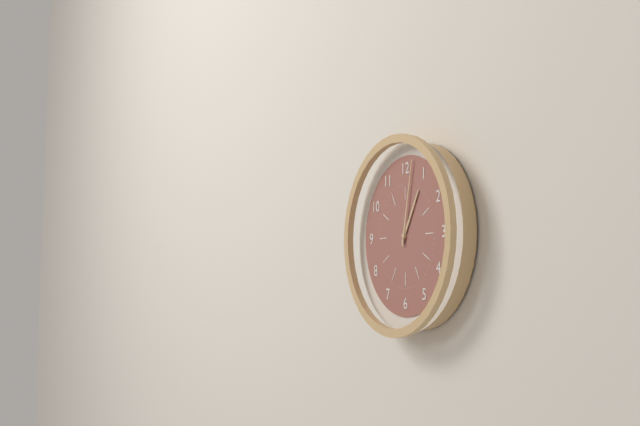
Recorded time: **1:02**
